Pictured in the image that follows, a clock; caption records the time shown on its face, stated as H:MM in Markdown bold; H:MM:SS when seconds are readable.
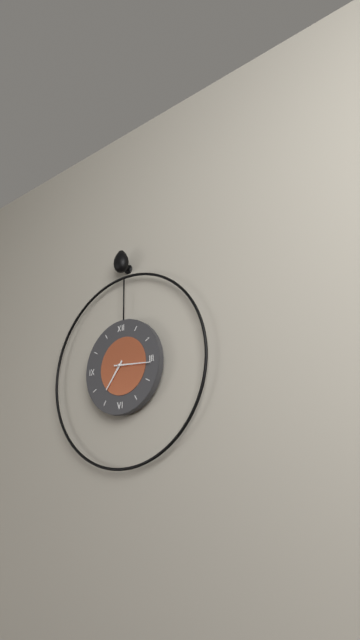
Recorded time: **7:16**
